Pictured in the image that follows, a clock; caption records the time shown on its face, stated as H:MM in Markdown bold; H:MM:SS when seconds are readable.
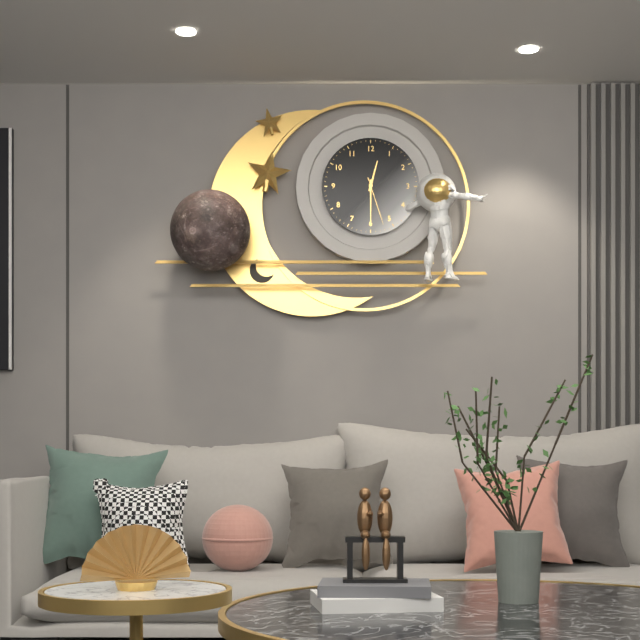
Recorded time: **12:30:27**
